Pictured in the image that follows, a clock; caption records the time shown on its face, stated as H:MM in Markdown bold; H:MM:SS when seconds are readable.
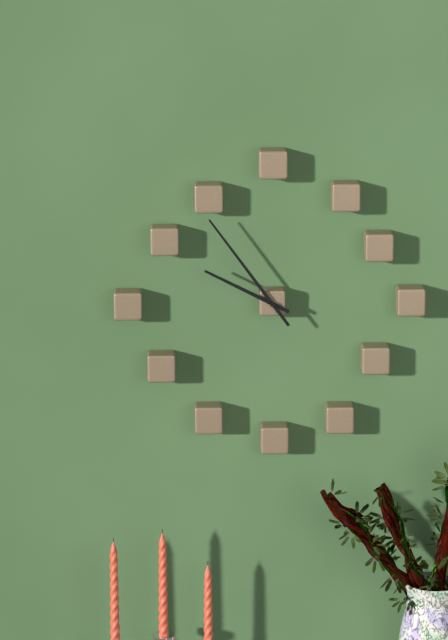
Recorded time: **9:54**
